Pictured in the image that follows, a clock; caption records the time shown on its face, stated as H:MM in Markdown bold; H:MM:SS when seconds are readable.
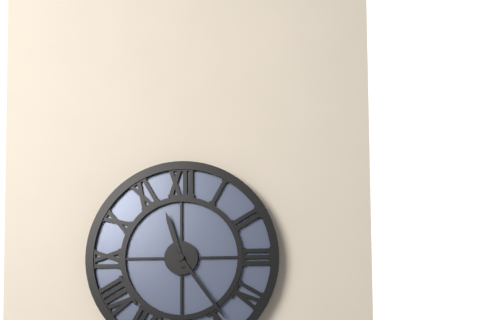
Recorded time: **11:24**
